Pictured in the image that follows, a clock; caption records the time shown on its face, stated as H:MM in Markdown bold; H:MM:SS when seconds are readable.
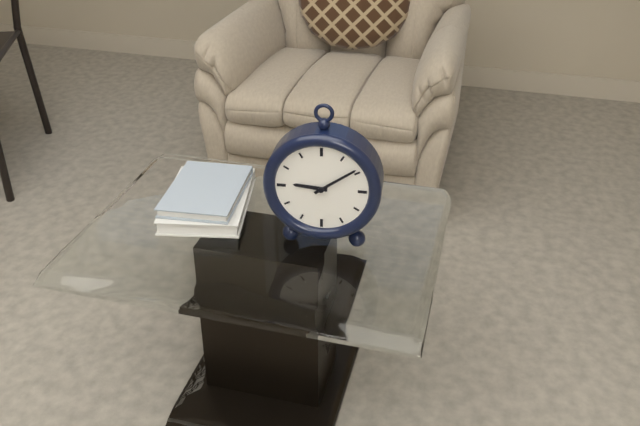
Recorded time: **9:09**
